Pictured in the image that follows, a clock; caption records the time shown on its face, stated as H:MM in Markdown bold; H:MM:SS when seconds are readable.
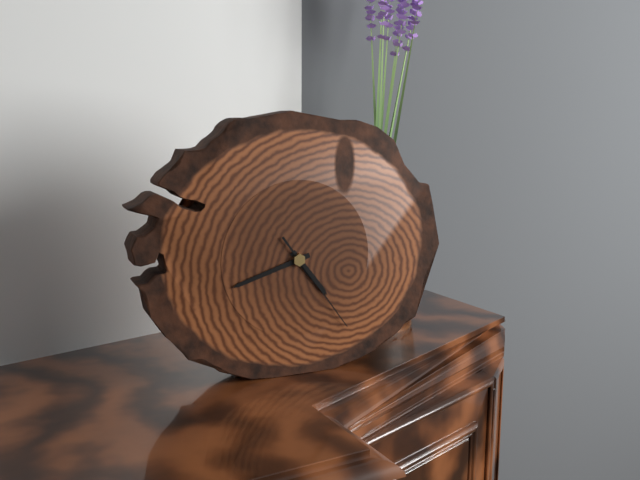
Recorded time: **4:42:24**
